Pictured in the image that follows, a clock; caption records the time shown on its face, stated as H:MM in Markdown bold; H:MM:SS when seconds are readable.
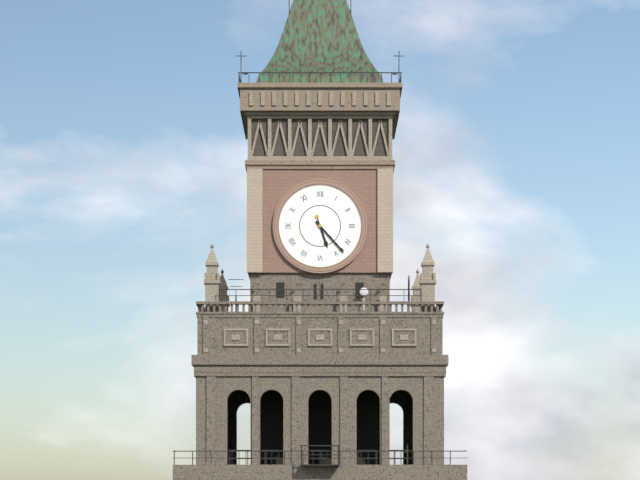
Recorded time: **5:23**
